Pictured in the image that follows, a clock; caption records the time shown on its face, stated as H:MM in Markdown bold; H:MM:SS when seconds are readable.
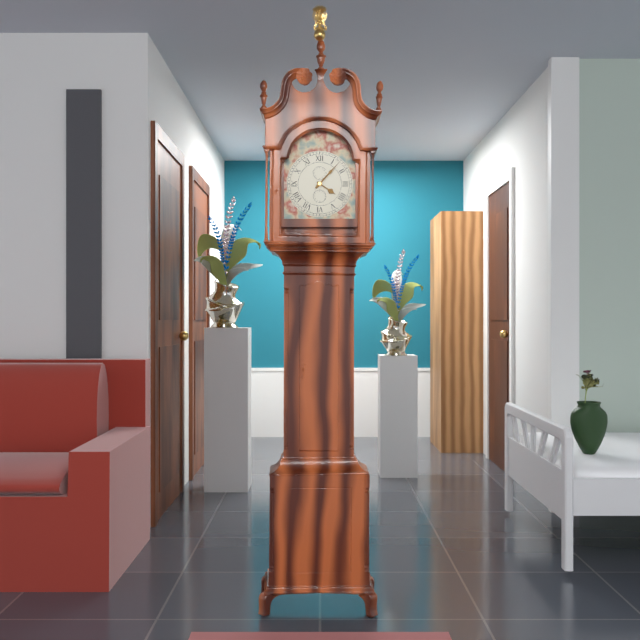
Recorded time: **4:07**
